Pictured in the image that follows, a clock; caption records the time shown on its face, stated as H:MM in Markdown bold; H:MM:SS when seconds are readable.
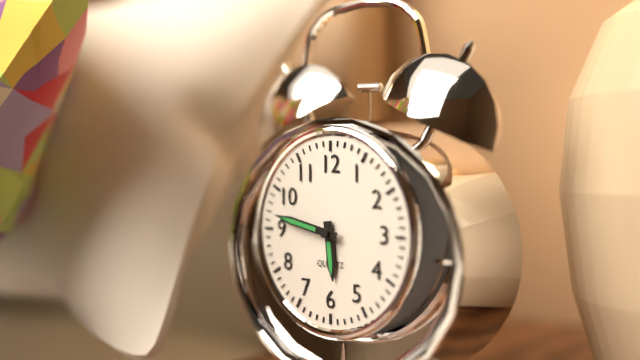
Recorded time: **5:47**
